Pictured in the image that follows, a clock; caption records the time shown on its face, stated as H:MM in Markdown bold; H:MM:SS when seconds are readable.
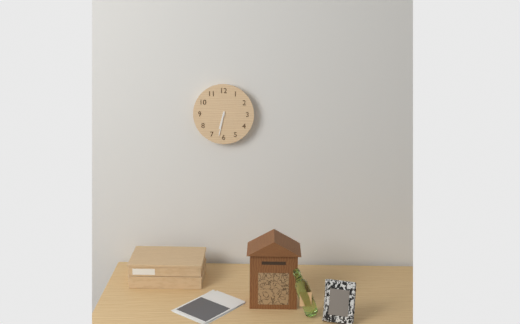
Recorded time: **6:32**
